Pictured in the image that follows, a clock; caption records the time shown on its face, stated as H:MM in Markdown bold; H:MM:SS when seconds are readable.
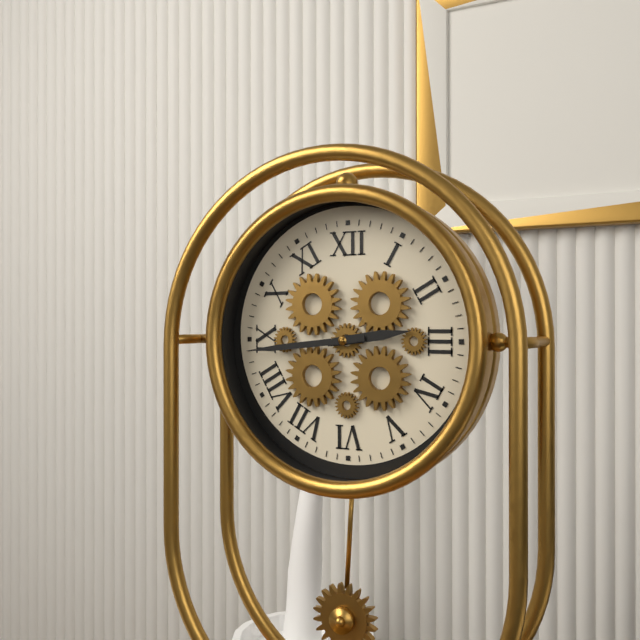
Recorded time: **2:44**
